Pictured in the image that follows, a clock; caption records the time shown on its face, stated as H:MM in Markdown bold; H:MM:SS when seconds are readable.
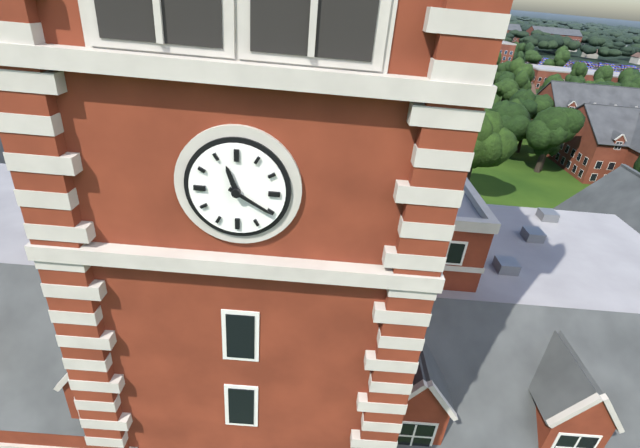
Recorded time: **11:20**
